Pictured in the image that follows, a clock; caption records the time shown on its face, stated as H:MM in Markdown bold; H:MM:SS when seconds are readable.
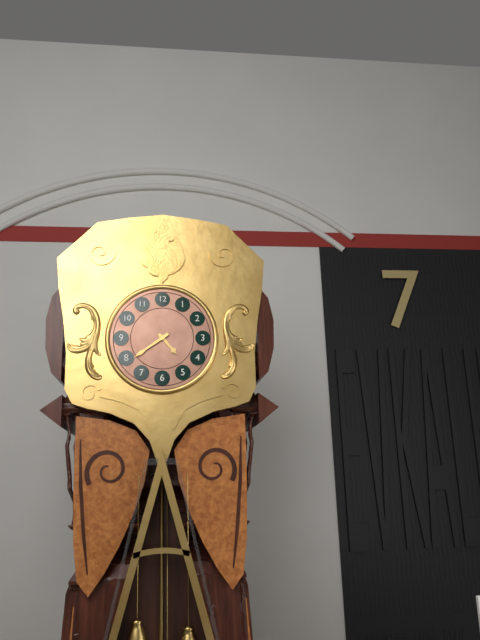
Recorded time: **4:39**
